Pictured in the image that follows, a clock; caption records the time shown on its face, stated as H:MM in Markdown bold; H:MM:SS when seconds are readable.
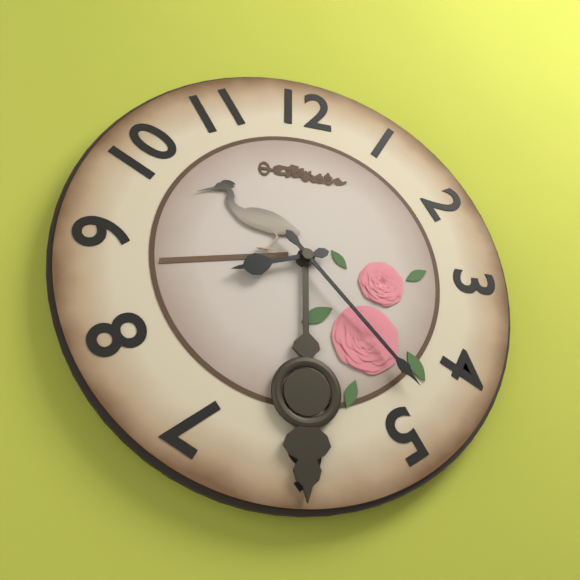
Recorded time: **8:23**
